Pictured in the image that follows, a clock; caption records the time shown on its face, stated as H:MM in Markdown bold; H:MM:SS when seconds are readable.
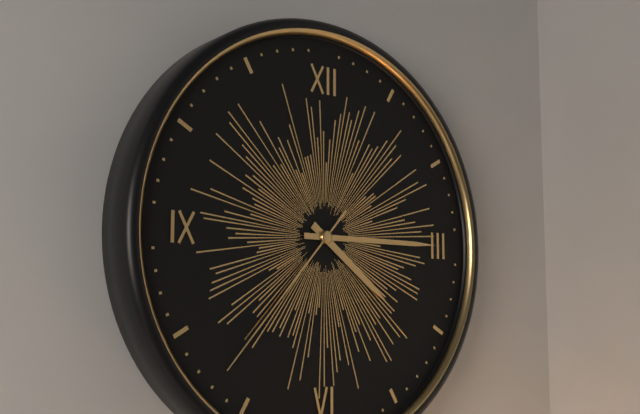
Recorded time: **4:15:37**
